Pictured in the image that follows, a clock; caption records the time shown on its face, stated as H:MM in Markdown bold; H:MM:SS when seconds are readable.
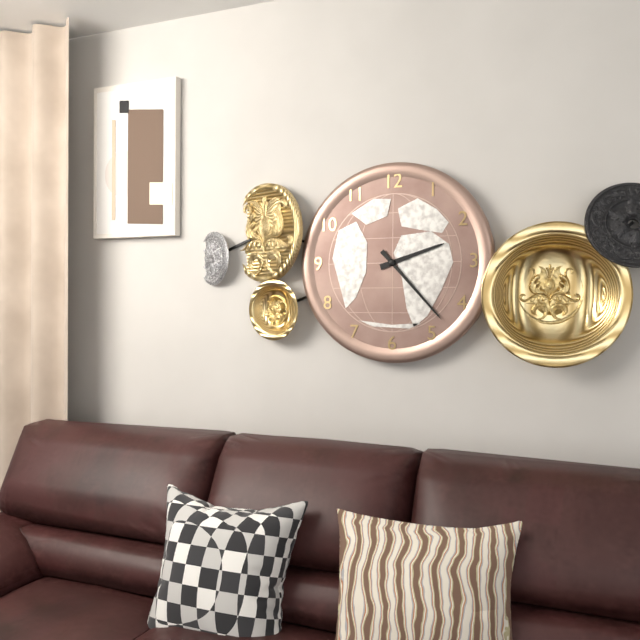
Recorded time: **2:23**
